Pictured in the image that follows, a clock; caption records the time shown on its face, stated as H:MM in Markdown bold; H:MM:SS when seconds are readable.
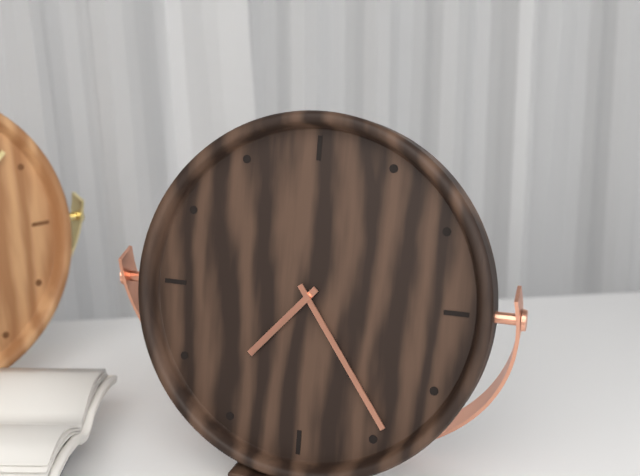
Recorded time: **7:24**
